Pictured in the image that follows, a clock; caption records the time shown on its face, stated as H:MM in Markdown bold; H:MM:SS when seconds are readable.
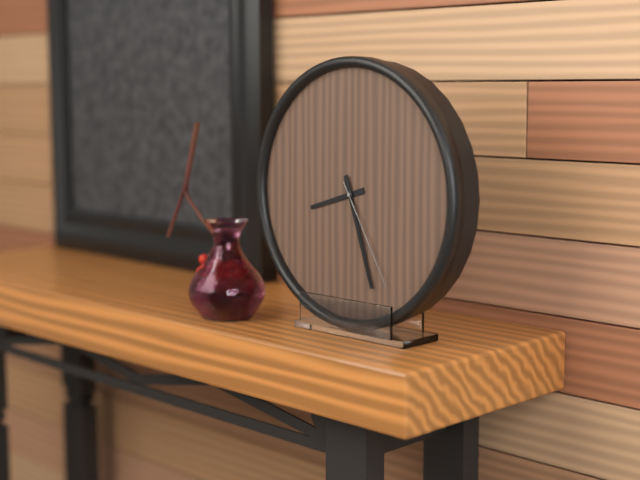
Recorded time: **8:27:25**
